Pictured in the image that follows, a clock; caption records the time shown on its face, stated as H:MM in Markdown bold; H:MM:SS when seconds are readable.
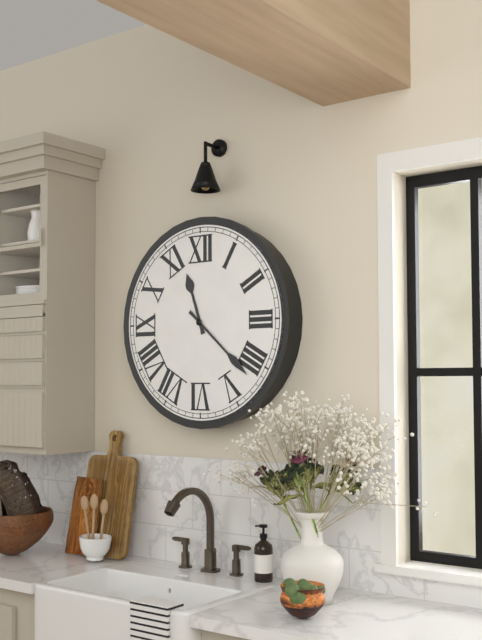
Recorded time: **11:22**
